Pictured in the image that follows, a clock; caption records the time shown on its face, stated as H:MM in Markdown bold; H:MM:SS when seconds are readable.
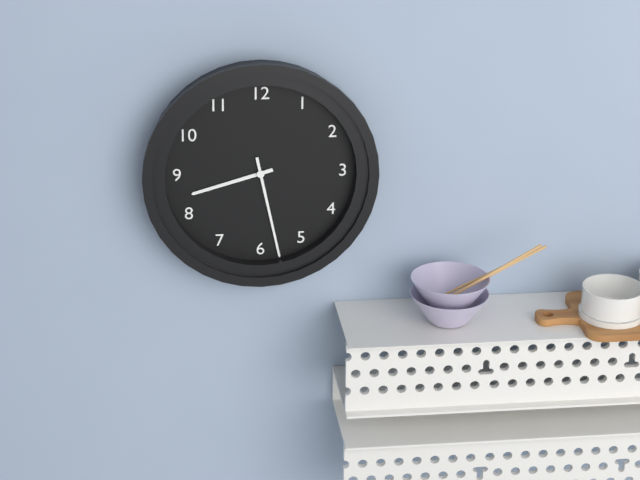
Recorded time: **8:28**
